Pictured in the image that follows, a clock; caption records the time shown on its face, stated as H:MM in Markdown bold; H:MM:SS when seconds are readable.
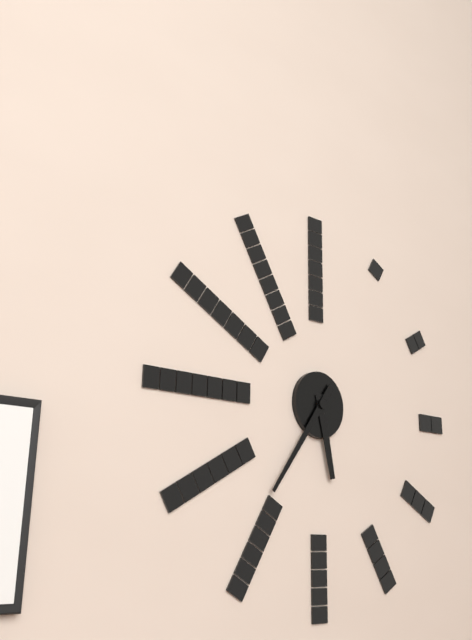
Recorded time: **5:36**
